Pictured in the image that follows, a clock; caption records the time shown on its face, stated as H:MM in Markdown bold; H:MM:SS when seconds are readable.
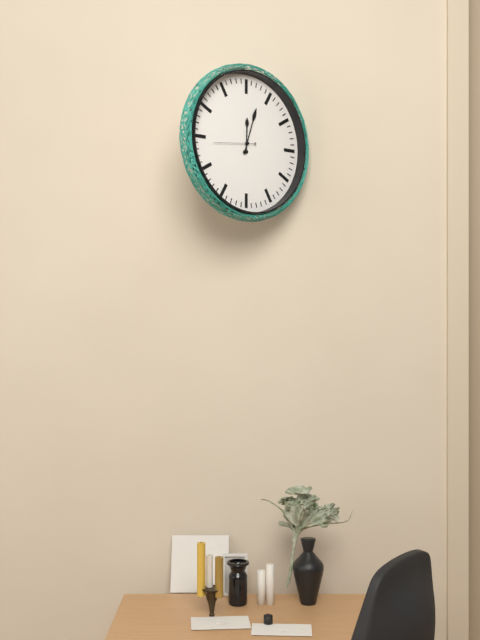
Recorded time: **12:03**
